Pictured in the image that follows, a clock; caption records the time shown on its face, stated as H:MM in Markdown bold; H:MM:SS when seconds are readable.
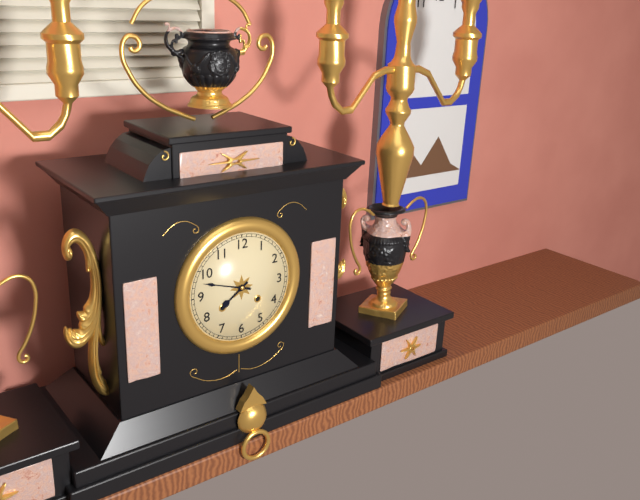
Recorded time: **7:48**
